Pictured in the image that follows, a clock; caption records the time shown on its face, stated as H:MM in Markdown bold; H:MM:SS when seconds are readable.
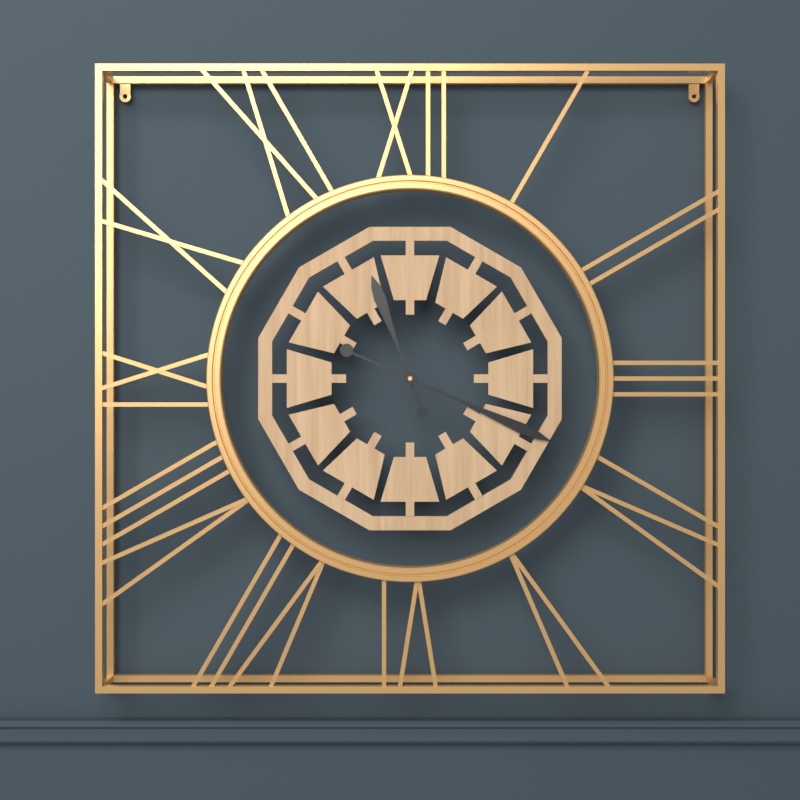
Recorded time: **11:19**
